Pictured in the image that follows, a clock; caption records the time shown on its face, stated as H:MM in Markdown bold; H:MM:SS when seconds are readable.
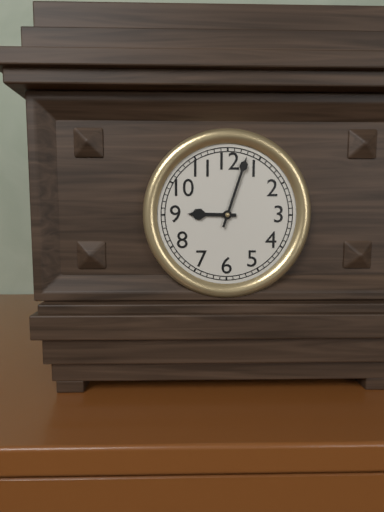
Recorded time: **9:03**
